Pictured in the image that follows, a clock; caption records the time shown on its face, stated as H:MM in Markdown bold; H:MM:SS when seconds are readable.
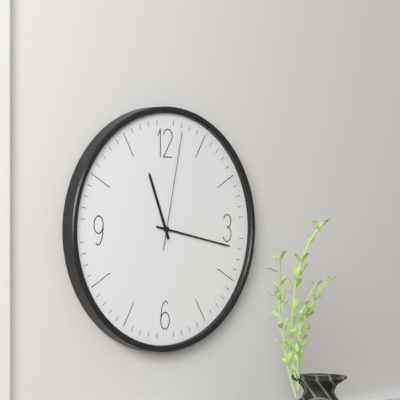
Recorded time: **11:17:02**
